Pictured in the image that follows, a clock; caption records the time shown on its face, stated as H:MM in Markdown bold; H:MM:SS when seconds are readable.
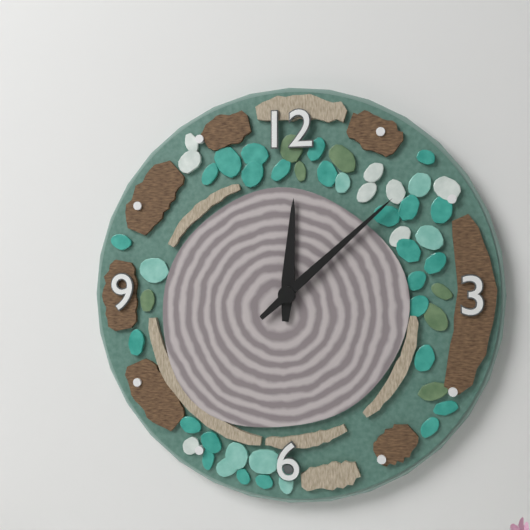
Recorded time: **12:08**
